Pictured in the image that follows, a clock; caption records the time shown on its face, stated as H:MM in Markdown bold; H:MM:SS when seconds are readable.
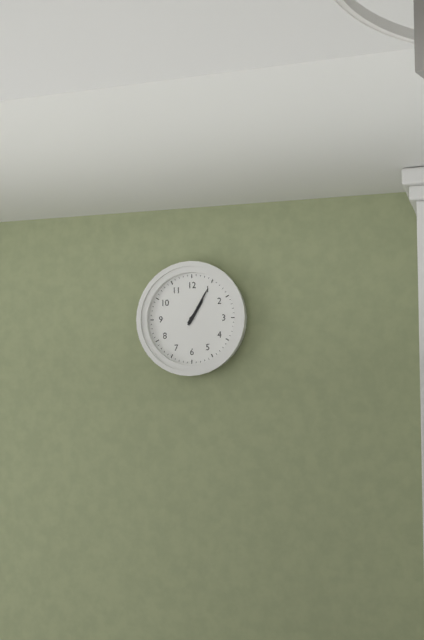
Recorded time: **1:05**
